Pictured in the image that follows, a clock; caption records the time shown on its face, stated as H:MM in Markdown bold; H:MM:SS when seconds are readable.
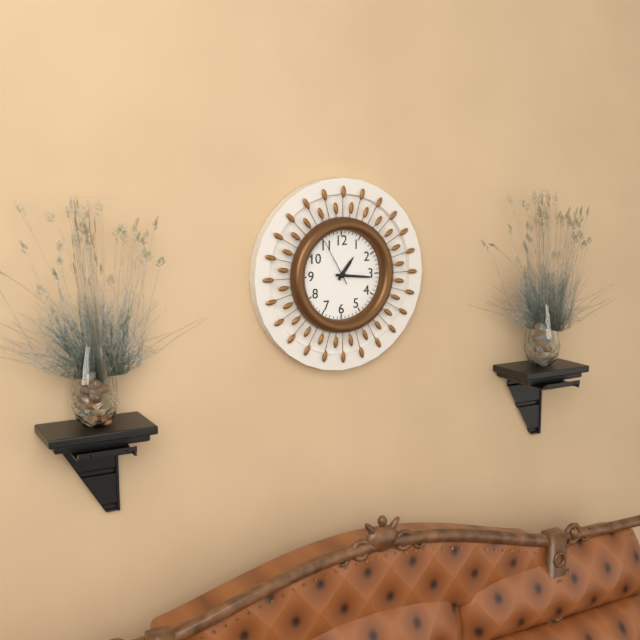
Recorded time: **1:16**
